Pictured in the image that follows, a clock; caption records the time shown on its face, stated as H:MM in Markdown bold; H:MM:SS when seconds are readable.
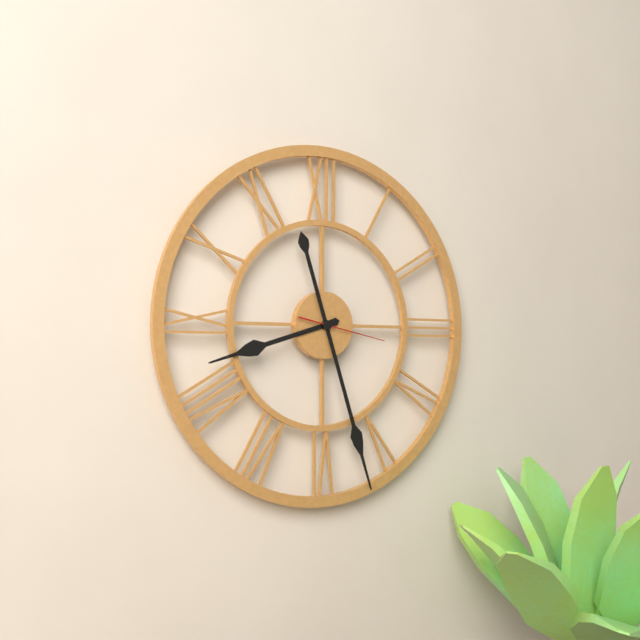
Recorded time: **8:27:17**
